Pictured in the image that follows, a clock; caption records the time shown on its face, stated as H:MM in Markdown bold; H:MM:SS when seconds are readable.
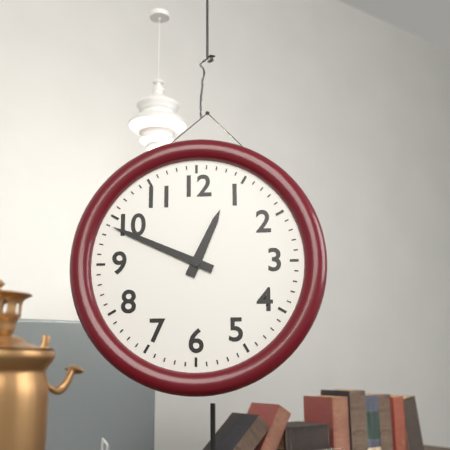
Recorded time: **12:49**
